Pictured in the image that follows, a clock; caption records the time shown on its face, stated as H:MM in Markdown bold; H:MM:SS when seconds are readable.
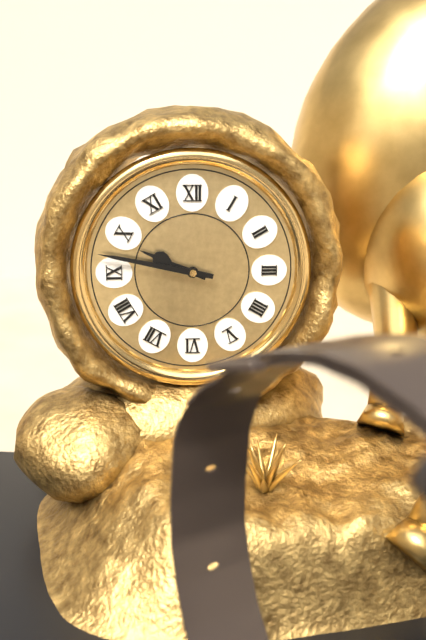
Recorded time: **9:47**
